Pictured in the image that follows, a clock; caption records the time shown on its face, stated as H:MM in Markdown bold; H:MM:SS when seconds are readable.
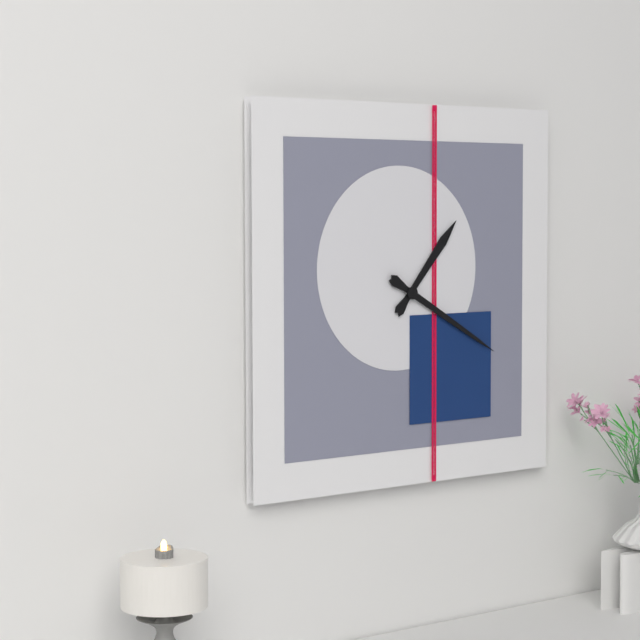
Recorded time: **1:20**
